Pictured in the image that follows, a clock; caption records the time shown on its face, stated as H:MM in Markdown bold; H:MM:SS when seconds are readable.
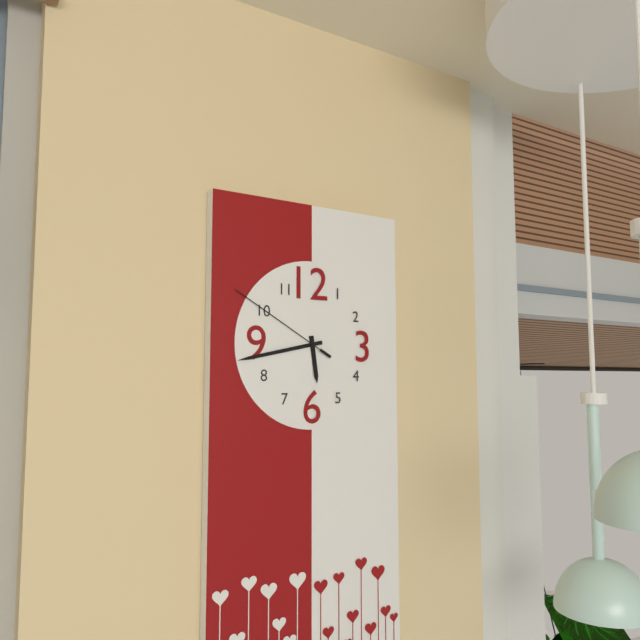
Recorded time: **5:43:50**
